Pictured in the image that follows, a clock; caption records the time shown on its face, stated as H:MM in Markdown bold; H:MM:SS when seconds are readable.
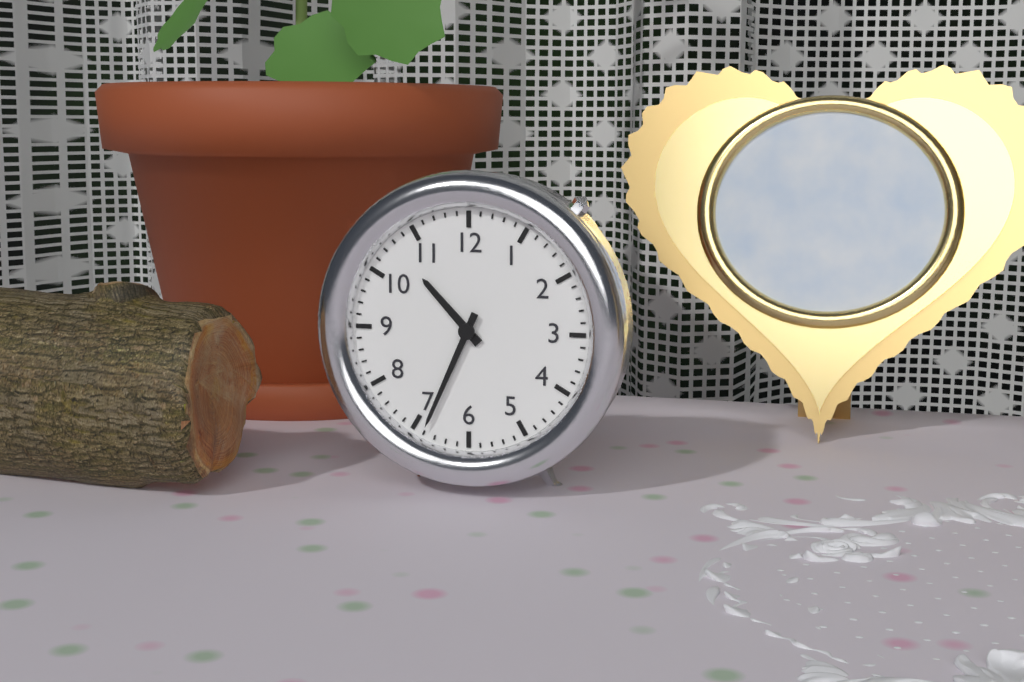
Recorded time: **10:34**
